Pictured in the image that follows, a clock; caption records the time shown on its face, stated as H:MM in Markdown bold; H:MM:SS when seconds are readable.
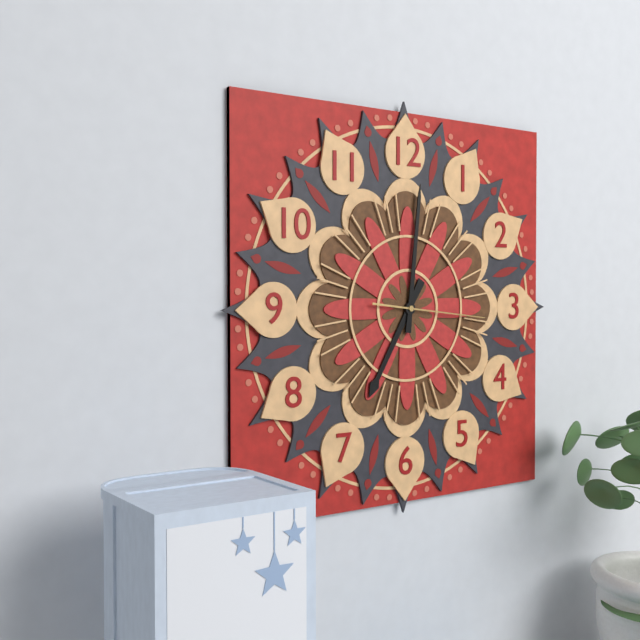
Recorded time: **7:01:16**
